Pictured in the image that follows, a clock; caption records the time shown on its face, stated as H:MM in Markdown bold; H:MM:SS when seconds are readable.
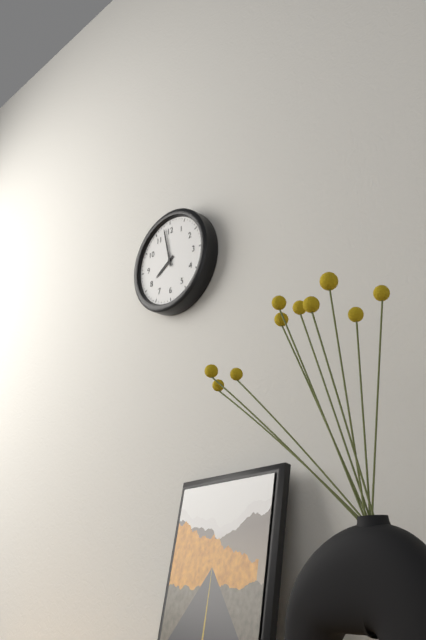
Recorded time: **7:58**
